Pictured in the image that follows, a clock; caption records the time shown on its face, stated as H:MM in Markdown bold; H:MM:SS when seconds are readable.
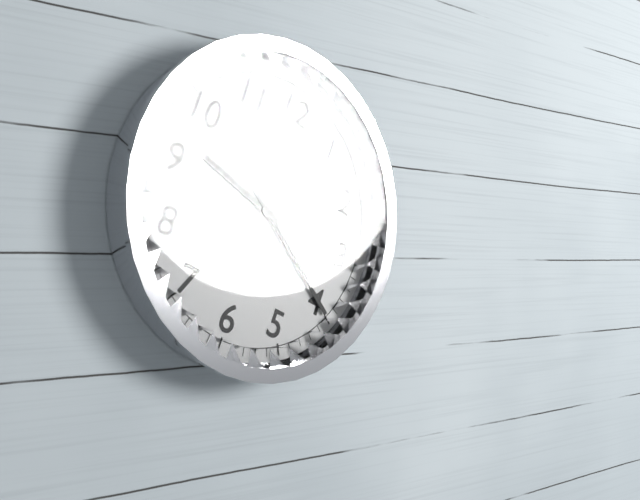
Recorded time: **9:20**
